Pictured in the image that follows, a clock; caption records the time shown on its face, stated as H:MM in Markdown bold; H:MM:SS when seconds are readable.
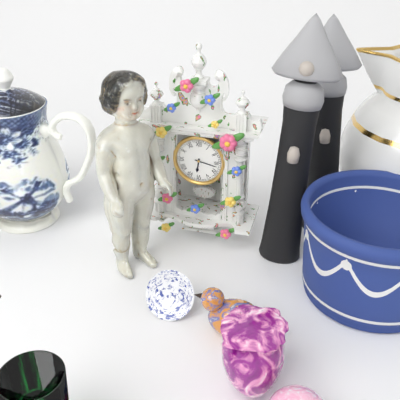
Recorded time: **6:17**
